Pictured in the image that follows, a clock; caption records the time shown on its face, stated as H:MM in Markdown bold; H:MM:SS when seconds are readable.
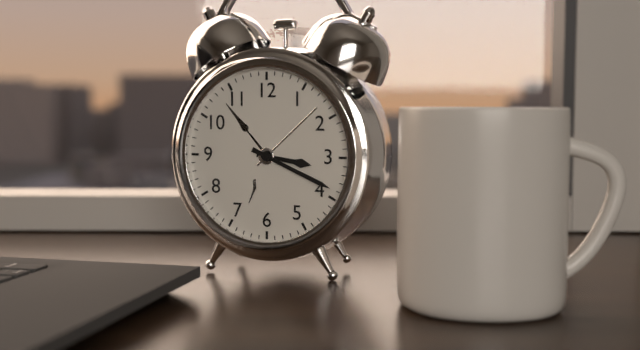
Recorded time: **3:19**
